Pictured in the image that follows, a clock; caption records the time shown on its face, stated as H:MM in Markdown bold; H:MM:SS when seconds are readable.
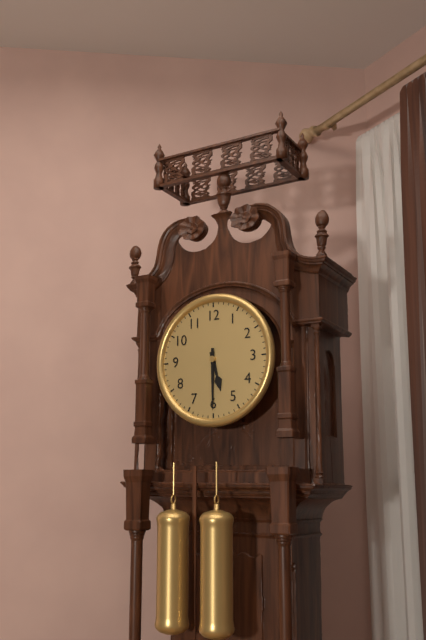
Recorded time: **5:30**
